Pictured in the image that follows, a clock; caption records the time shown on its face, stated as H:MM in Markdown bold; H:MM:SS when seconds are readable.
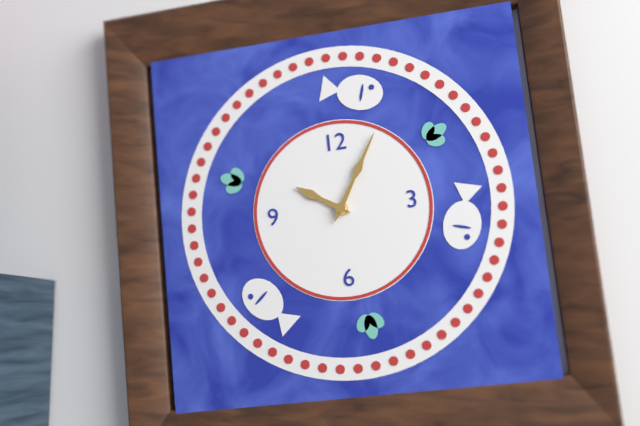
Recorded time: **10:05**
